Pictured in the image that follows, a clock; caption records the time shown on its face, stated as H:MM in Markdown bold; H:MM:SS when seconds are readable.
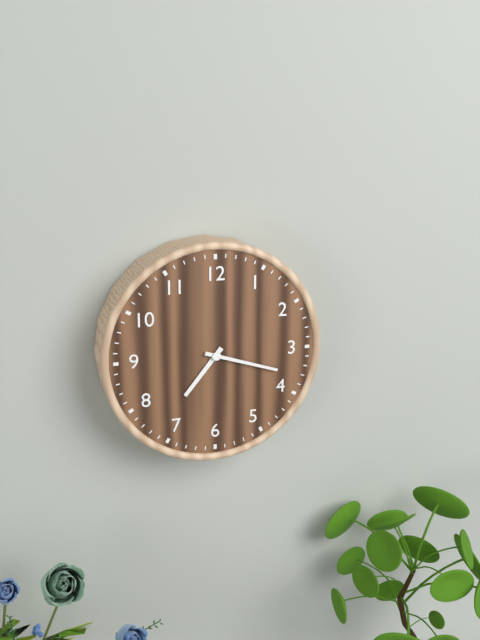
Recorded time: **7:18**
